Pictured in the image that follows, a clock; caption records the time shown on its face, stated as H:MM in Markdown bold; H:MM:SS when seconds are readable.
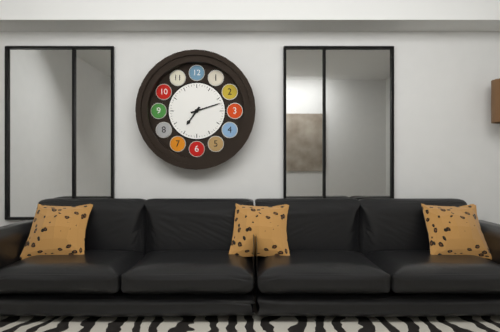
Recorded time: **7:12**
